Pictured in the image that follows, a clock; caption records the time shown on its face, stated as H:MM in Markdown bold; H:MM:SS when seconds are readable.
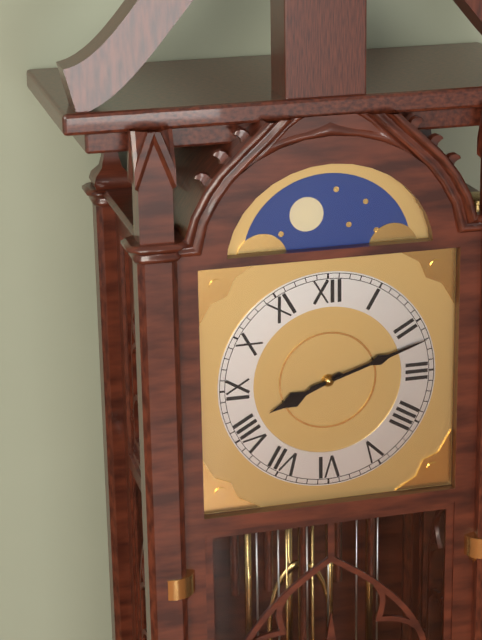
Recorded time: **8:12**
